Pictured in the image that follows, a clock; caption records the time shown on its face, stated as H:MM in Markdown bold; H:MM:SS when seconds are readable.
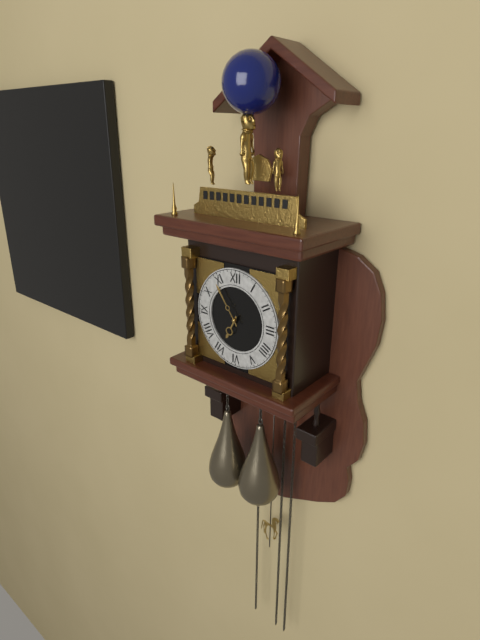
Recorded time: **6:54**
